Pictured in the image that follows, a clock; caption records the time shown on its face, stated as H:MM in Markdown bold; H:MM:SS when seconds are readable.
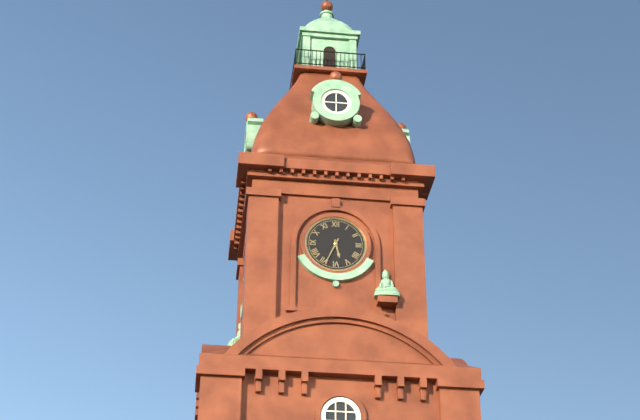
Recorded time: **5:34**
